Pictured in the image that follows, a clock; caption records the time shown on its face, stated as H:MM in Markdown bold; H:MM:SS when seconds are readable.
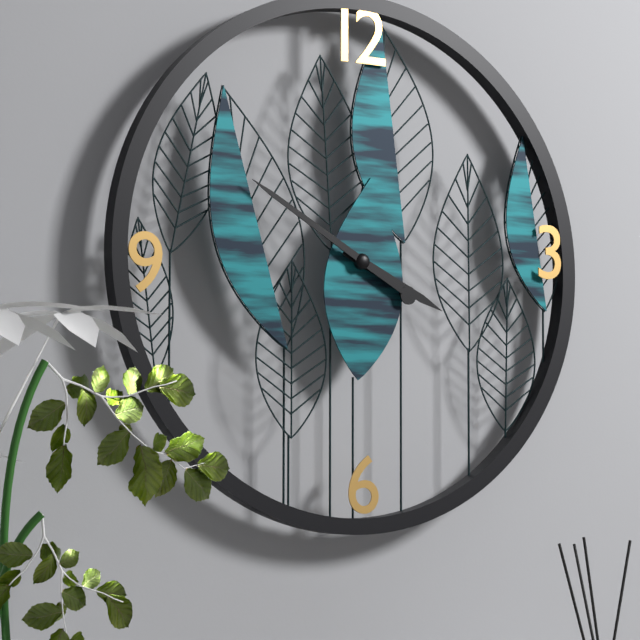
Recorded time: **3:50**
